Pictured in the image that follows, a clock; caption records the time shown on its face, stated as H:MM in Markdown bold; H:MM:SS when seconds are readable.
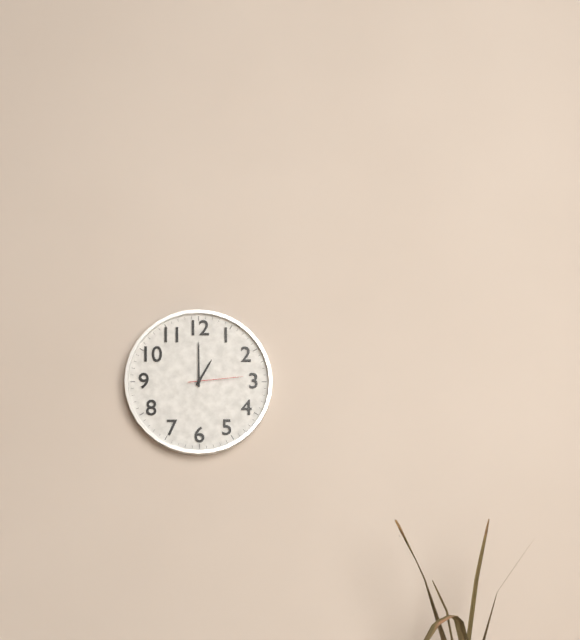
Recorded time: **1:00:14**
